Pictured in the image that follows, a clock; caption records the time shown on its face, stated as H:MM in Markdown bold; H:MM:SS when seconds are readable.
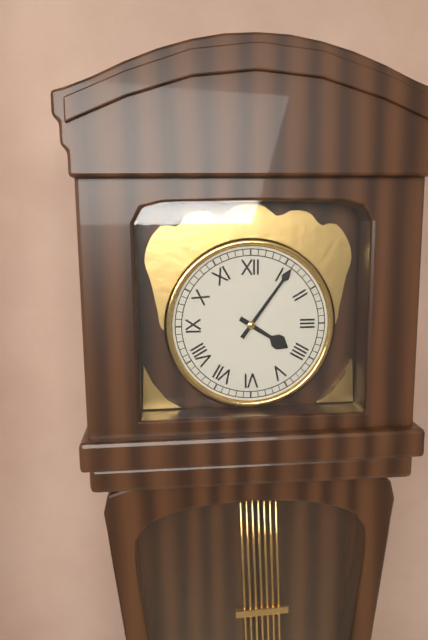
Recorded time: **4:06**
